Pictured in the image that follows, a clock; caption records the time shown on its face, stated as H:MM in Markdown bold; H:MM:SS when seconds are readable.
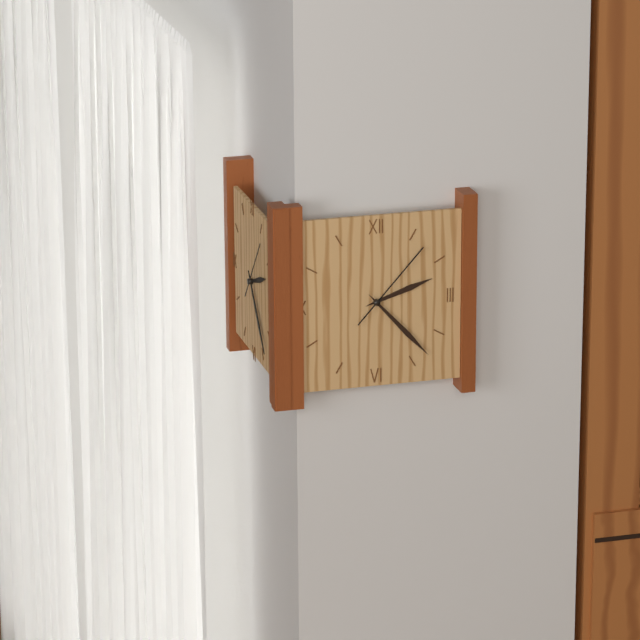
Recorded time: **2:23:07**
